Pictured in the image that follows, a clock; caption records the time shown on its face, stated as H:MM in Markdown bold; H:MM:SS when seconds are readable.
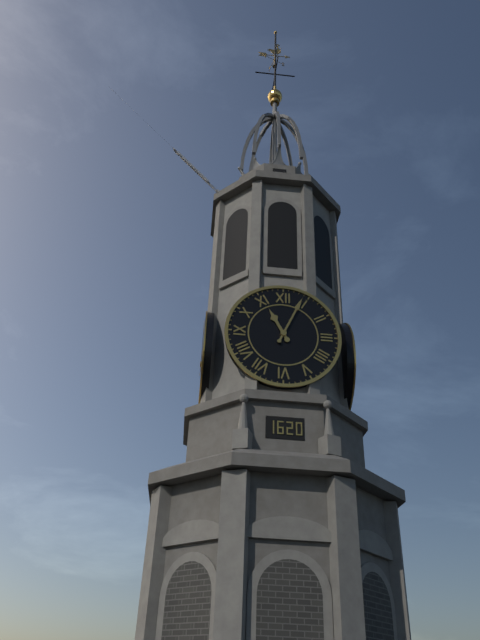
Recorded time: **11:04**
